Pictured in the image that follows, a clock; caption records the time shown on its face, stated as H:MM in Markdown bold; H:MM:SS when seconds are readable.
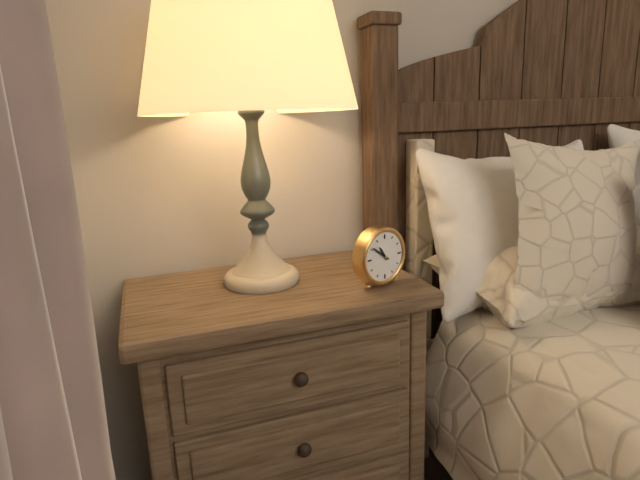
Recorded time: **10:51**
